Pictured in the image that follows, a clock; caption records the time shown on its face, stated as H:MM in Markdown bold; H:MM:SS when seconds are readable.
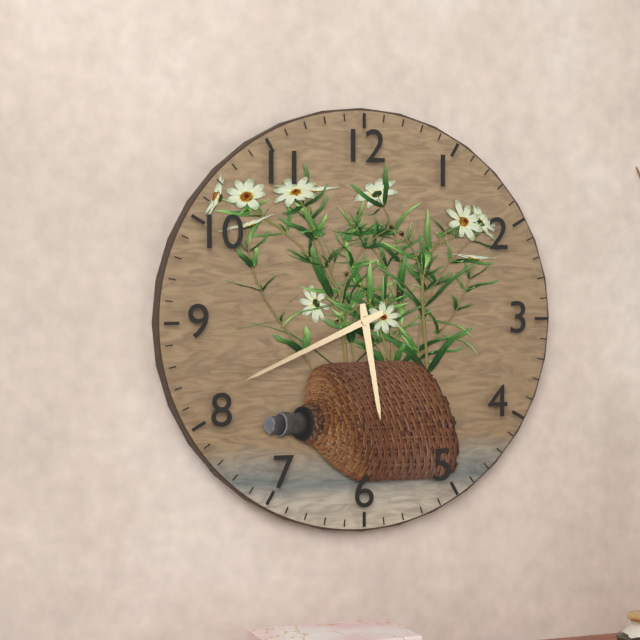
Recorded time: **5:41**
